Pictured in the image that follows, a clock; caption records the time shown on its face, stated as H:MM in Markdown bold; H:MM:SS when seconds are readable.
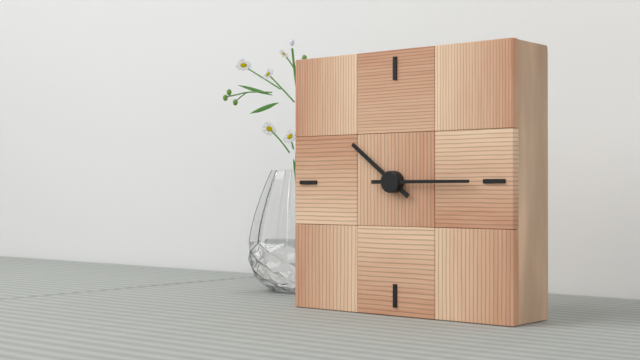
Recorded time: **10:15**
